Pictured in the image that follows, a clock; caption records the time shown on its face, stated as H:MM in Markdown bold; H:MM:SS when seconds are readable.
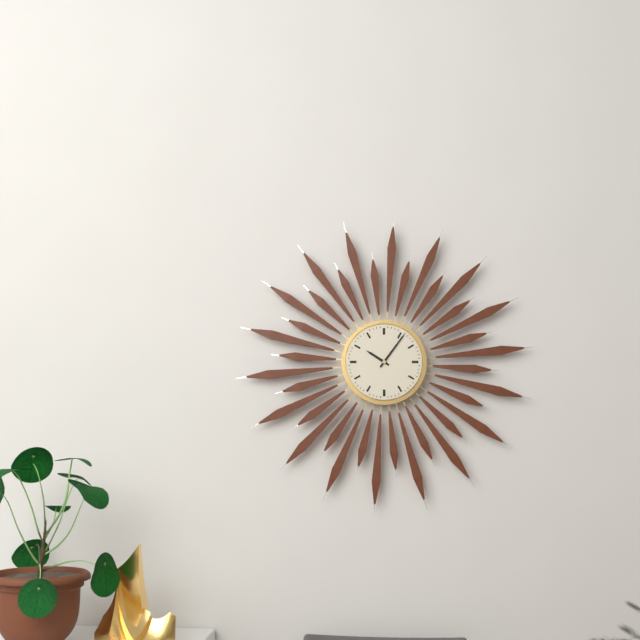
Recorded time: **10:06**
